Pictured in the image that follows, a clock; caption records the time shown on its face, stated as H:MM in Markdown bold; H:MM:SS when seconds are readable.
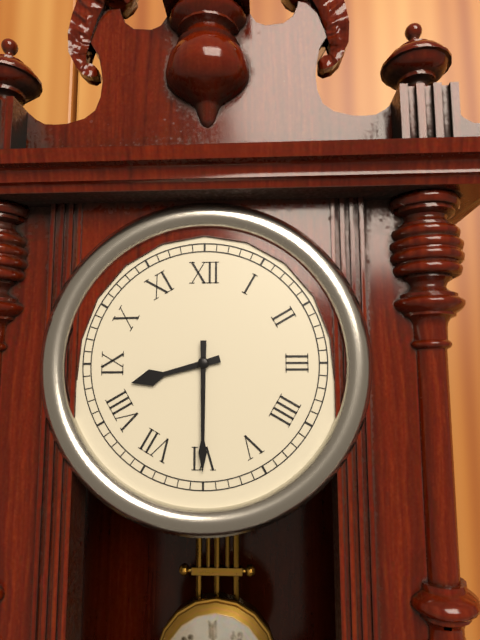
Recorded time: **8:30**
